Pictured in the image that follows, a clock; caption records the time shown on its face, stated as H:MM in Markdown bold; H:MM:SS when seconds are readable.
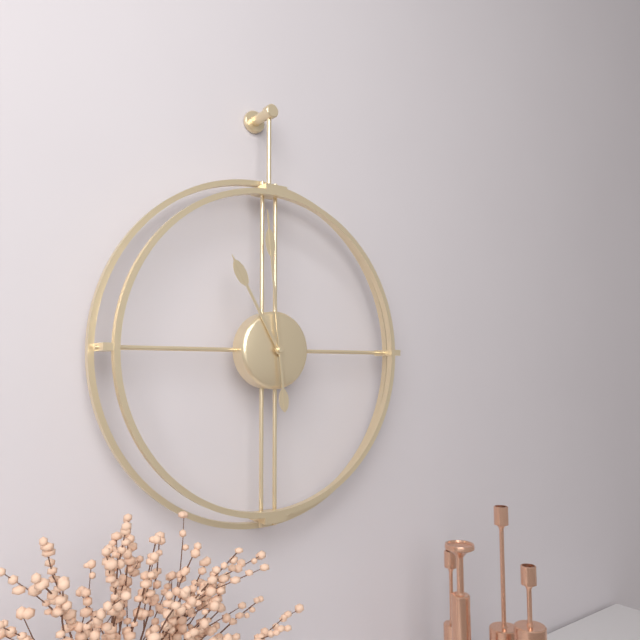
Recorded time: **10:59**
